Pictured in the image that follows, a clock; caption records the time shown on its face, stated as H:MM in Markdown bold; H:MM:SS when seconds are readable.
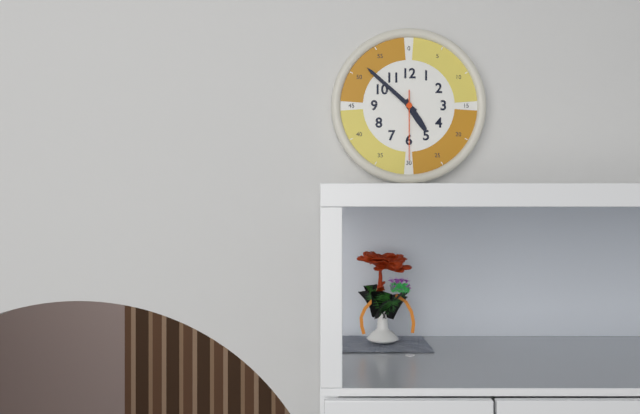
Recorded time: **4:52:30**
